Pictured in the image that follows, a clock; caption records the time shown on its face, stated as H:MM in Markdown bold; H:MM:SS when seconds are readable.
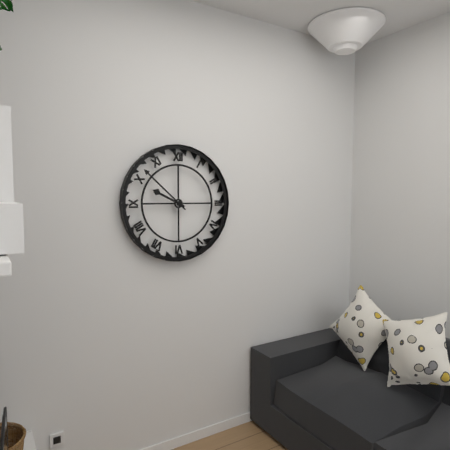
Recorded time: **9:52**
